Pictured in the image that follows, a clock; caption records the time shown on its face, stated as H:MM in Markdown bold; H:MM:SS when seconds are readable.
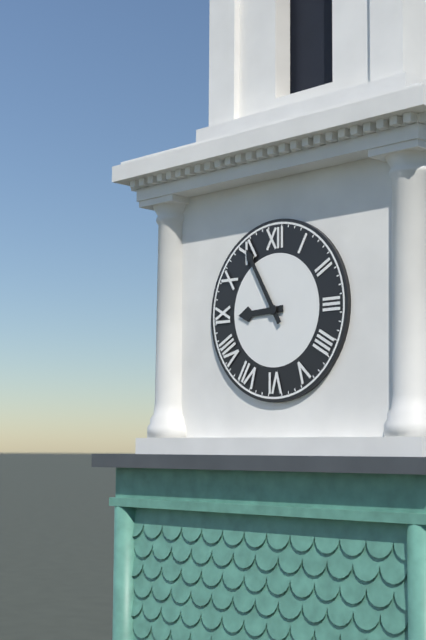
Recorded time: **8:55**
